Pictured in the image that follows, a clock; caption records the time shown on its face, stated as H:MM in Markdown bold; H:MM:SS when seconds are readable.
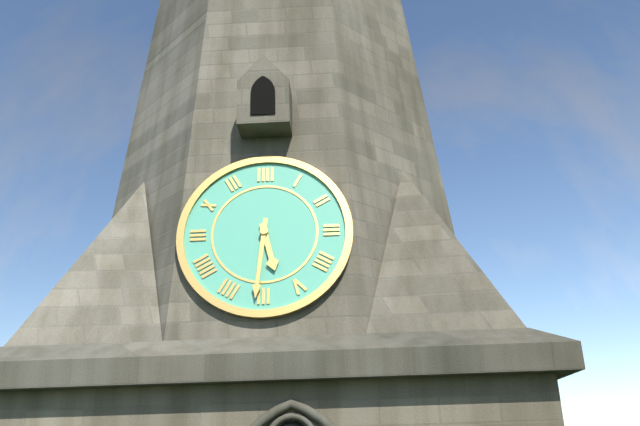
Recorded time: **5:31**
